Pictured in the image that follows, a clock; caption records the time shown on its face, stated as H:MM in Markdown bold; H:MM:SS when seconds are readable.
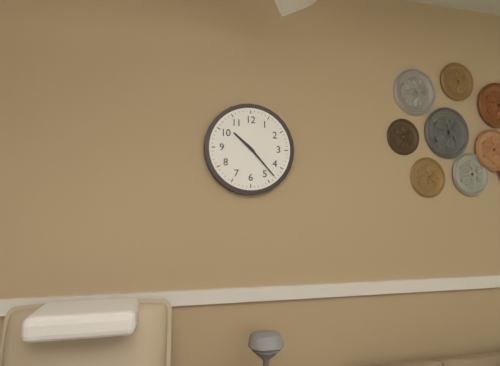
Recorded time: **10:23**
